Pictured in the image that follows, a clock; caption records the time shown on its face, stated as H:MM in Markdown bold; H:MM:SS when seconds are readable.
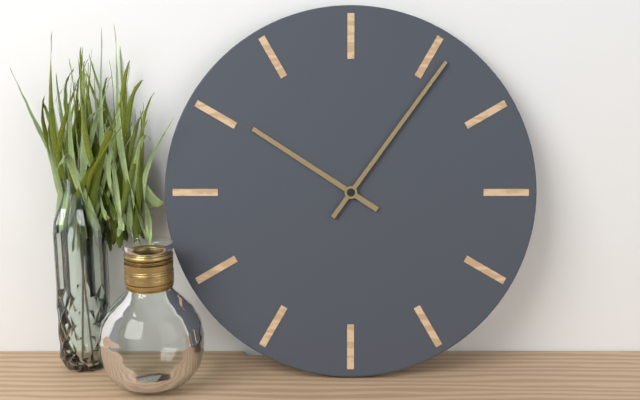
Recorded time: **10:06**
